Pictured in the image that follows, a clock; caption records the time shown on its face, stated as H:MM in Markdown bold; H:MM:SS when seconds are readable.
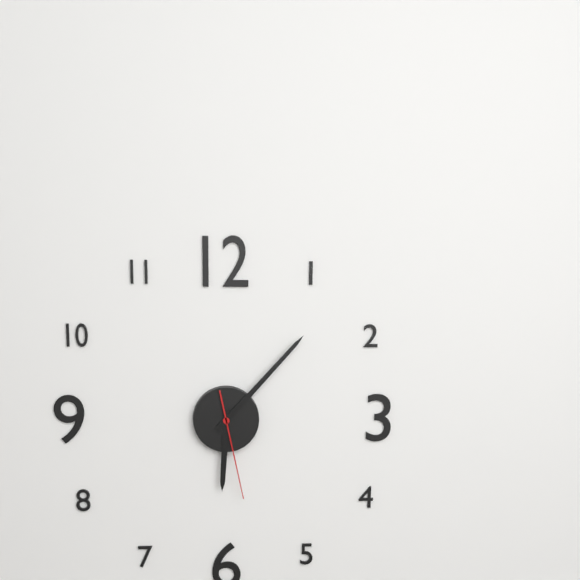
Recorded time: **6:07:28**
